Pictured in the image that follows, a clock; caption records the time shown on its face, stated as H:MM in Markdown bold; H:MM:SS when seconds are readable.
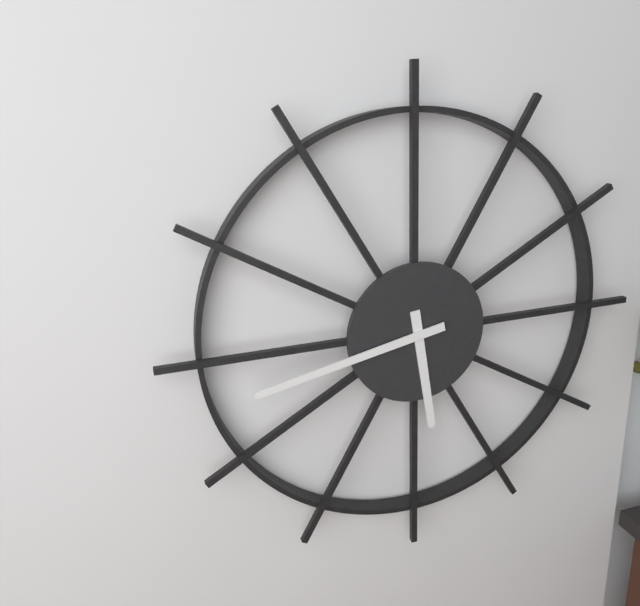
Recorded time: **5:43**
